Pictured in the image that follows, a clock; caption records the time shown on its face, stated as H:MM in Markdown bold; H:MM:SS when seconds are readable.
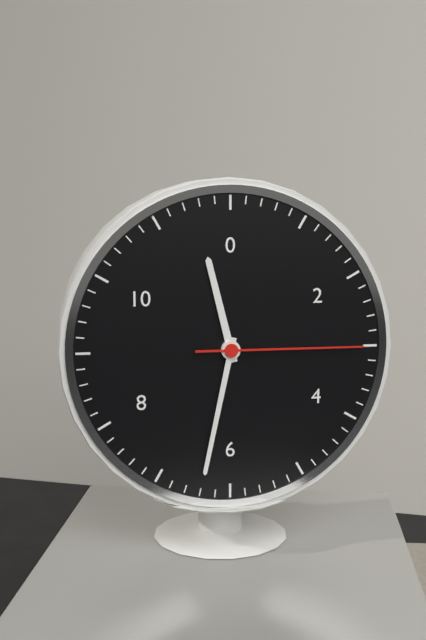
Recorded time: **11:32:15**
